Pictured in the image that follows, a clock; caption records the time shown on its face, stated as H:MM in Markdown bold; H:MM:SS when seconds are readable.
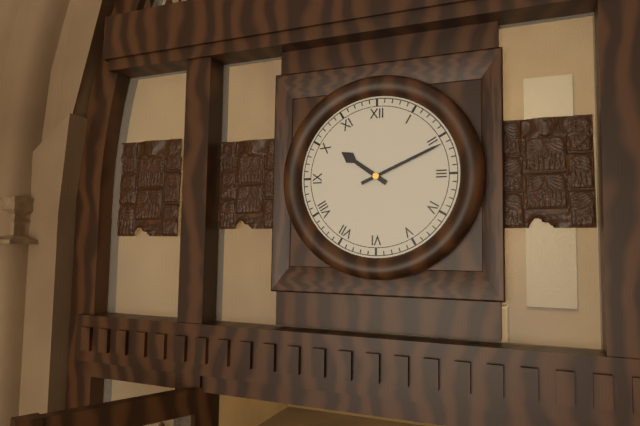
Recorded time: **10:11**
